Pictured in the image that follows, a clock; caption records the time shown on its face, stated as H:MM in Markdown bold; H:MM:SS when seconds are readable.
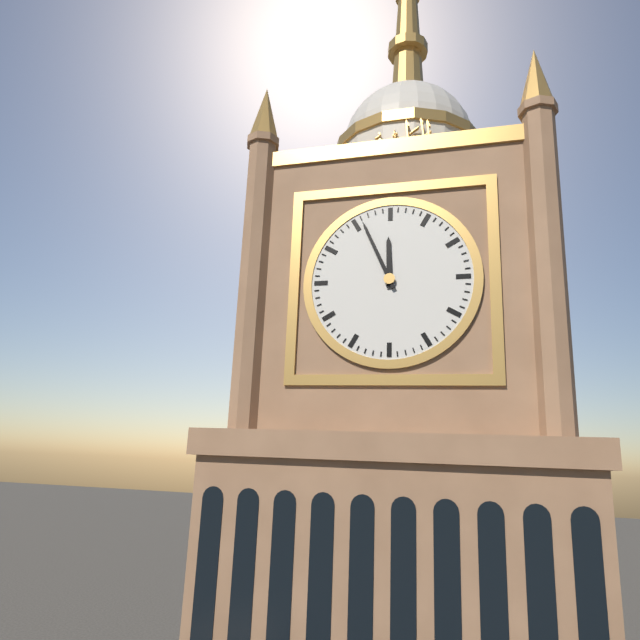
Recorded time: **11:56**
